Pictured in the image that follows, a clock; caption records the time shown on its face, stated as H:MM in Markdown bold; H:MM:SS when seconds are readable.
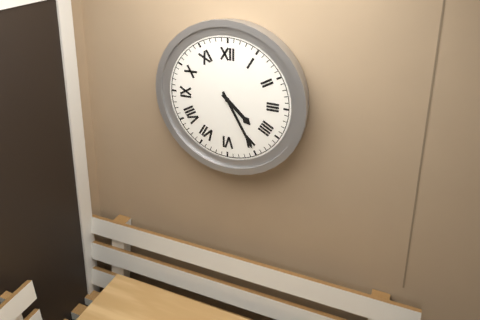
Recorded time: **4:25**
